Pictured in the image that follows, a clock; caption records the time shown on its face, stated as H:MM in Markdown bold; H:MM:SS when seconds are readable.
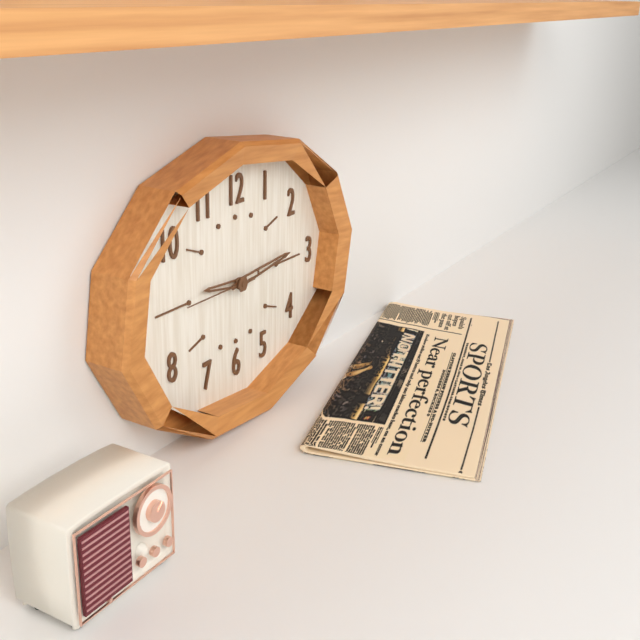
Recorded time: **9:14:45**
